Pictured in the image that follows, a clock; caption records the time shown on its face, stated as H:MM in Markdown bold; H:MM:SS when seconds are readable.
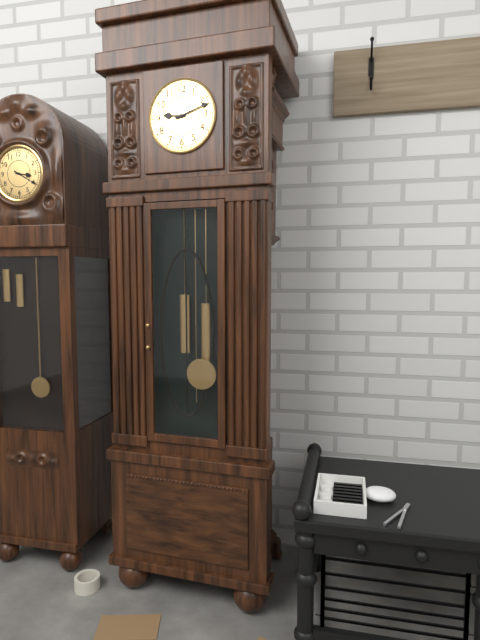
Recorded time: **9:12**
